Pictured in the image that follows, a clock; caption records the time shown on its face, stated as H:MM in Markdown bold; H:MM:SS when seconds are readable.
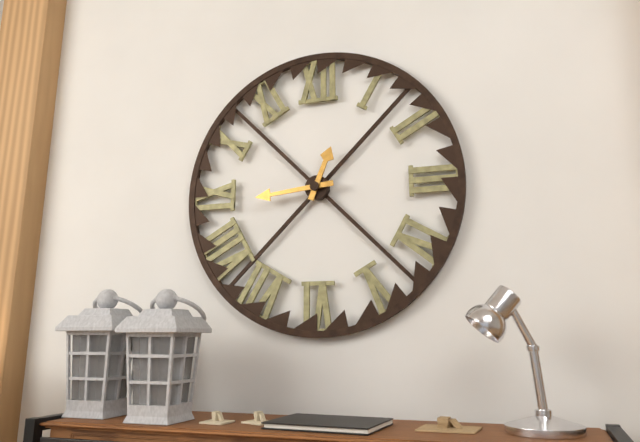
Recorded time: **12:44**
